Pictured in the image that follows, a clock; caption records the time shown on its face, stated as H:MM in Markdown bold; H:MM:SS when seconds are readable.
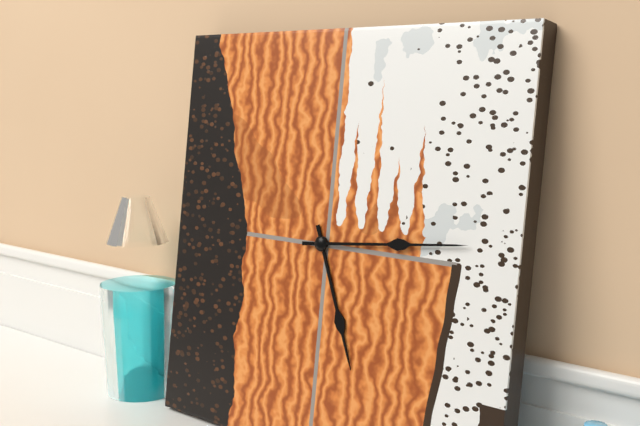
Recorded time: **5:14**
